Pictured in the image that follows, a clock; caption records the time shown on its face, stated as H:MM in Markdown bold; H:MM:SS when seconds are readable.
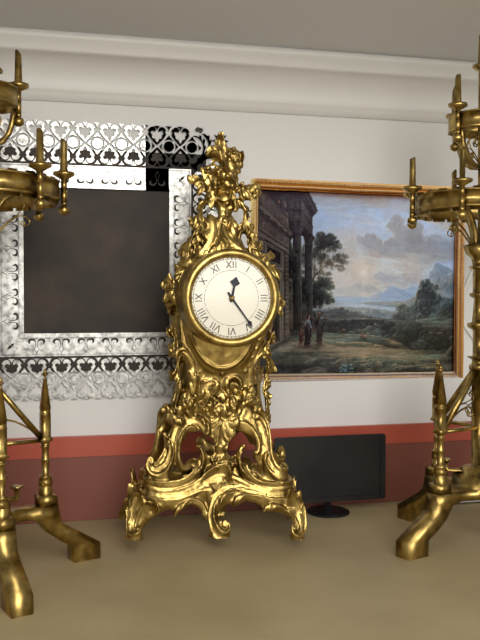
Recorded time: **12:24**
